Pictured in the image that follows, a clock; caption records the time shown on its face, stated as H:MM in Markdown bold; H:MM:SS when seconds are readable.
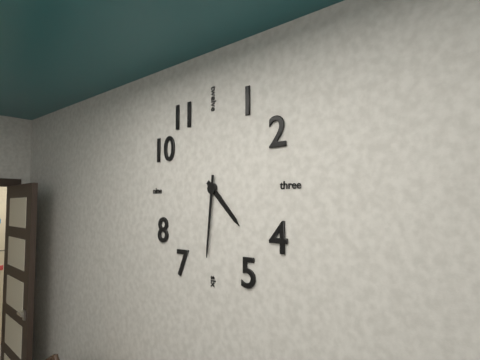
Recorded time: **4:31**
